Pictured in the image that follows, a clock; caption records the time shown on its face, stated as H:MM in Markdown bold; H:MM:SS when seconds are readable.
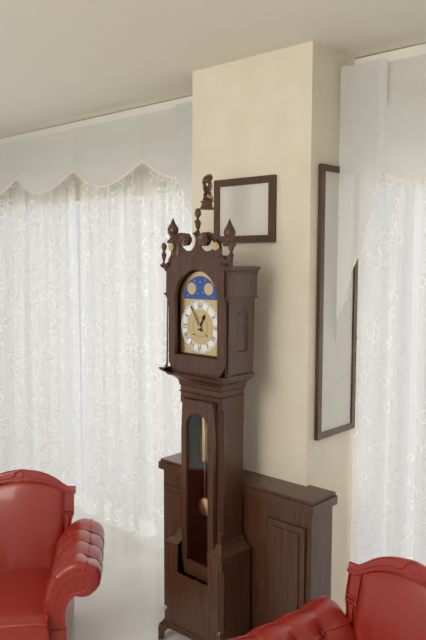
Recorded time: **12:55**
